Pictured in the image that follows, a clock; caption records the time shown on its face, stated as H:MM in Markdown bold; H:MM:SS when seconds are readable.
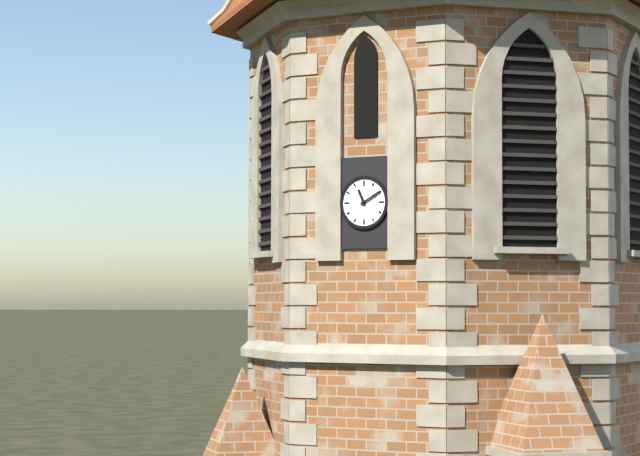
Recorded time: **11:10**
